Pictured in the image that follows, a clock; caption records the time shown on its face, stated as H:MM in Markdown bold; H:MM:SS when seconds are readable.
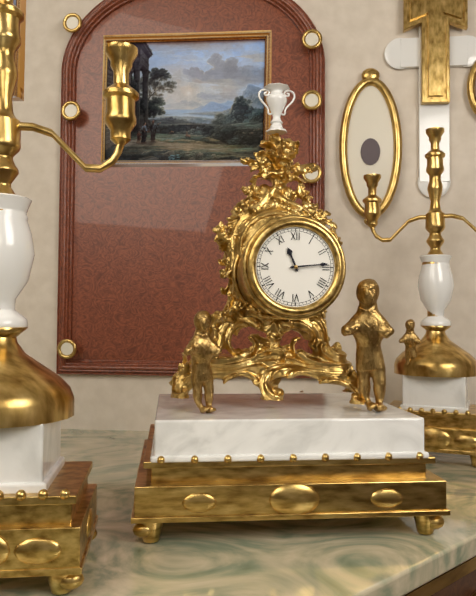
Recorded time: **11:14**
